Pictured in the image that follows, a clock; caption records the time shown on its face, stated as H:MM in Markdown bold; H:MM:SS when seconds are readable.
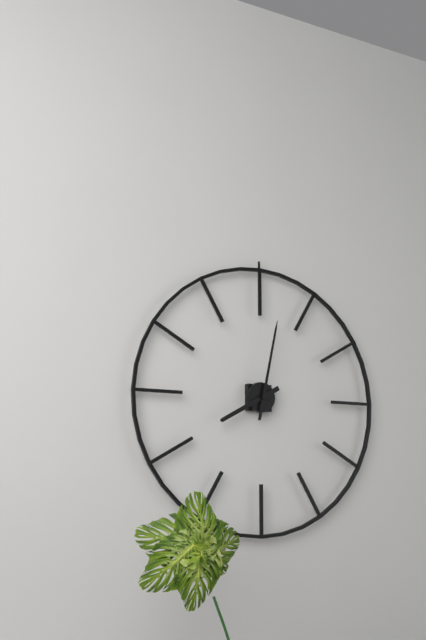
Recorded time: **8:02**
